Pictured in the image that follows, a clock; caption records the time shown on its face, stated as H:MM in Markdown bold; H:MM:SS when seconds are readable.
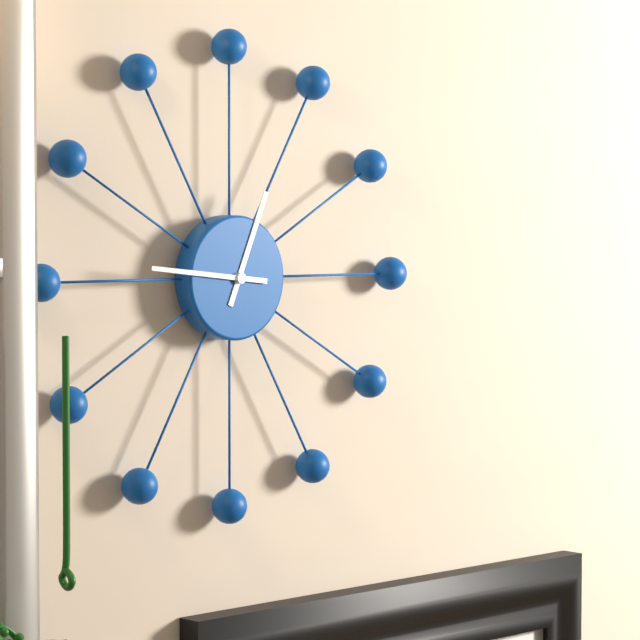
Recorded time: **12:46**
